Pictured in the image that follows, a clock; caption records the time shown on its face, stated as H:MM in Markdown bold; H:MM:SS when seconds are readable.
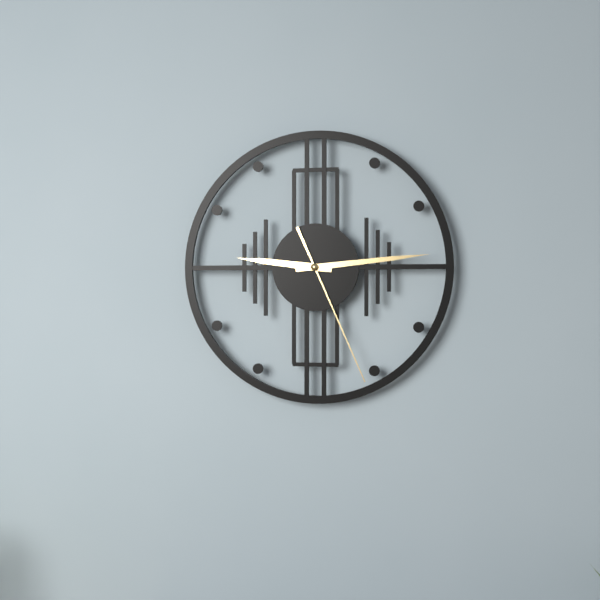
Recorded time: **9:14:26**
